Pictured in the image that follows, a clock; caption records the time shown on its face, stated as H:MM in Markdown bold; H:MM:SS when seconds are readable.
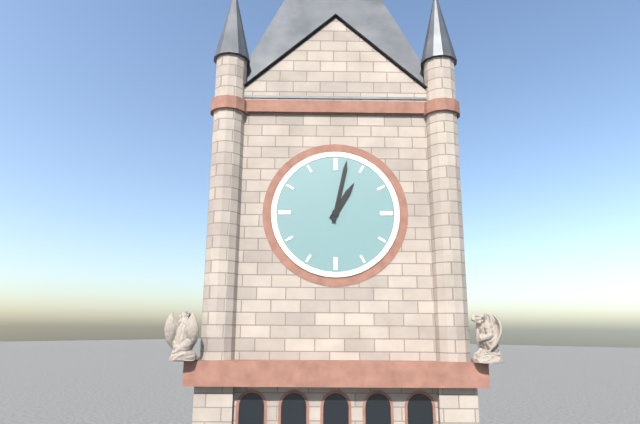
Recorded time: **1:02**
